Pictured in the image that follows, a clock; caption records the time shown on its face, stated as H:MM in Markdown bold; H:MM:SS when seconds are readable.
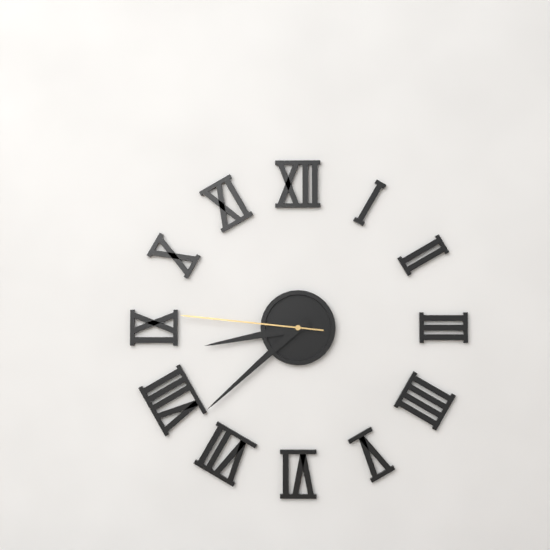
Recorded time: **8:38:46**
